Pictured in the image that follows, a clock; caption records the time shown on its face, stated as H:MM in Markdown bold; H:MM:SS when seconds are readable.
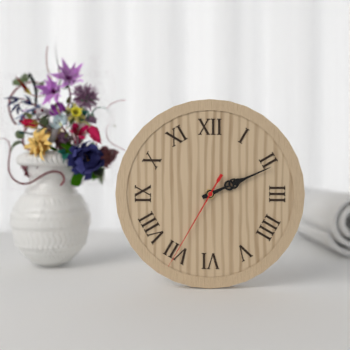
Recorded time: **2:11:35**
